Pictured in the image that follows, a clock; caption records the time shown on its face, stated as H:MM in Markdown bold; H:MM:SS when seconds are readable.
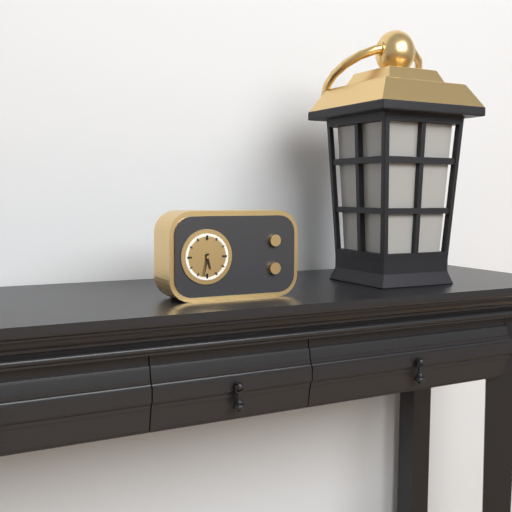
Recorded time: **5:32**
